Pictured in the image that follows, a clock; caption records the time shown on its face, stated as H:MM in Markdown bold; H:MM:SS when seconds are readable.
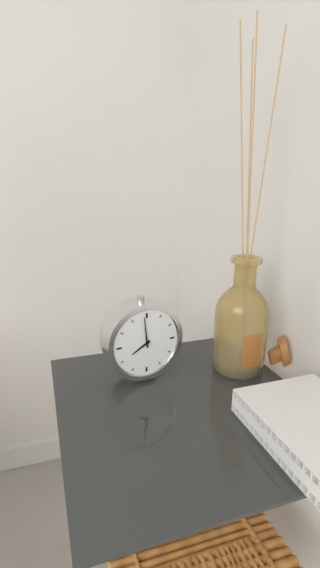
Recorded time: **7:59**
